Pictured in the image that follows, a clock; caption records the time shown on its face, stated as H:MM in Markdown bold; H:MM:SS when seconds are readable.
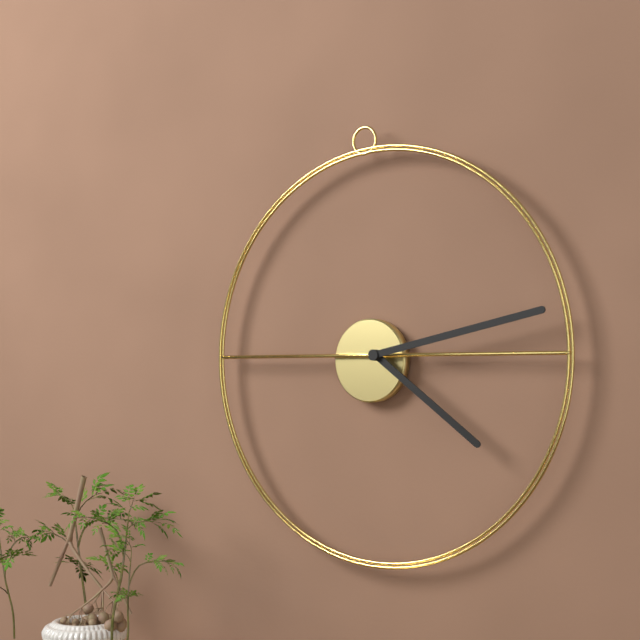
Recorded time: **4:13**
